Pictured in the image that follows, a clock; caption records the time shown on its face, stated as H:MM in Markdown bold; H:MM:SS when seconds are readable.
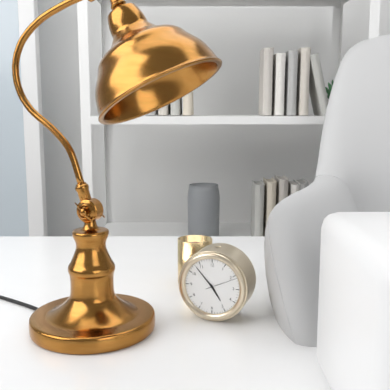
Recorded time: **4:53**
